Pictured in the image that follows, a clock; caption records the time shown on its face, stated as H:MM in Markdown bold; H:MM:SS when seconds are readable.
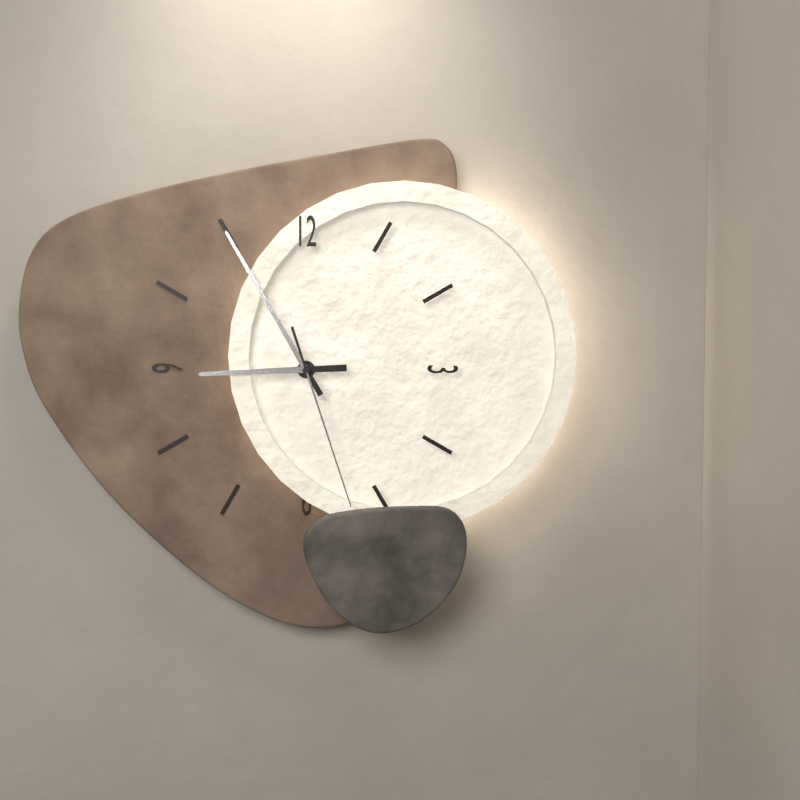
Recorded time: **8:55:27**
